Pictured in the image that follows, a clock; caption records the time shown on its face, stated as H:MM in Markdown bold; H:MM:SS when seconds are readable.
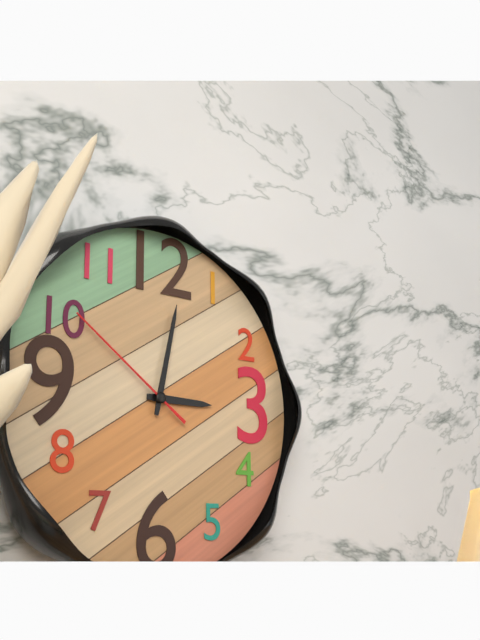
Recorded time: **3:02:51**
